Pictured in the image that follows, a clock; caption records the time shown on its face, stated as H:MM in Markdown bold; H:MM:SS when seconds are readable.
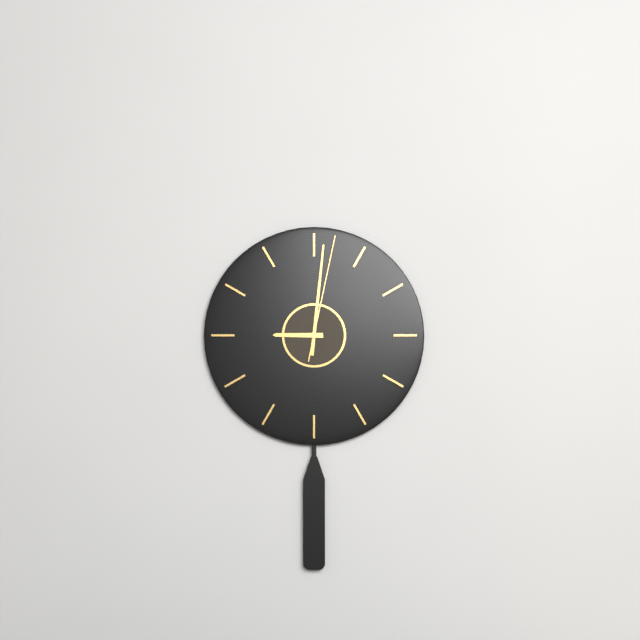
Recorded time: **9:01:02**
